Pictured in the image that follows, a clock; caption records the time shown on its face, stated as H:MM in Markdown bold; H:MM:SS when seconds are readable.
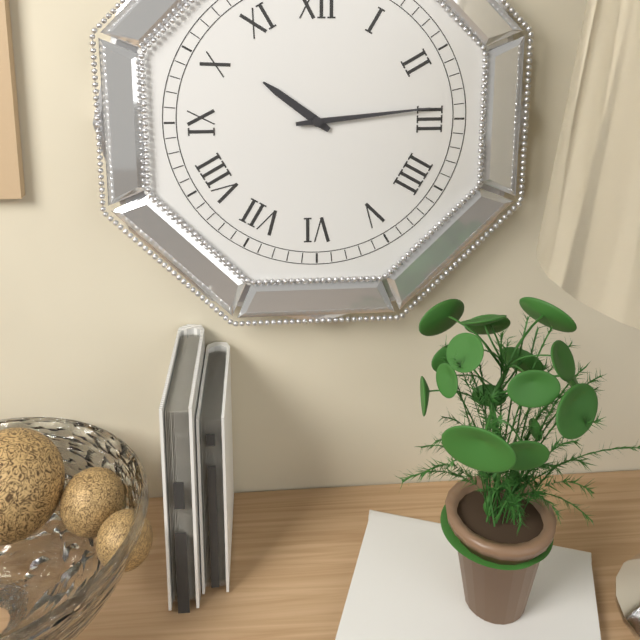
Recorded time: **10:14**
